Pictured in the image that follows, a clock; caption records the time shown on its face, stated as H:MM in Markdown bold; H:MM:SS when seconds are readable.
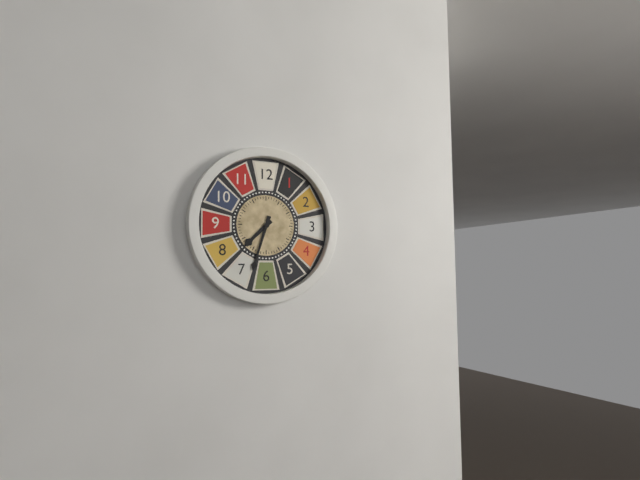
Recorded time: **7:33**
